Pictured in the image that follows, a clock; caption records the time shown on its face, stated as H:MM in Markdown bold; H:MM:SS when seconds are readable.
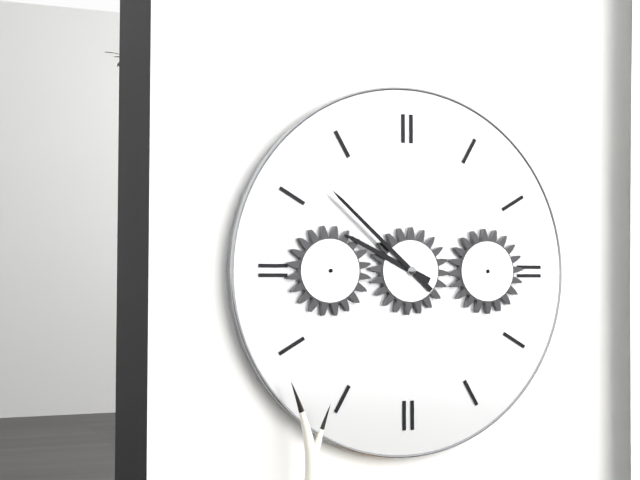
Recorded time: **9:52**
